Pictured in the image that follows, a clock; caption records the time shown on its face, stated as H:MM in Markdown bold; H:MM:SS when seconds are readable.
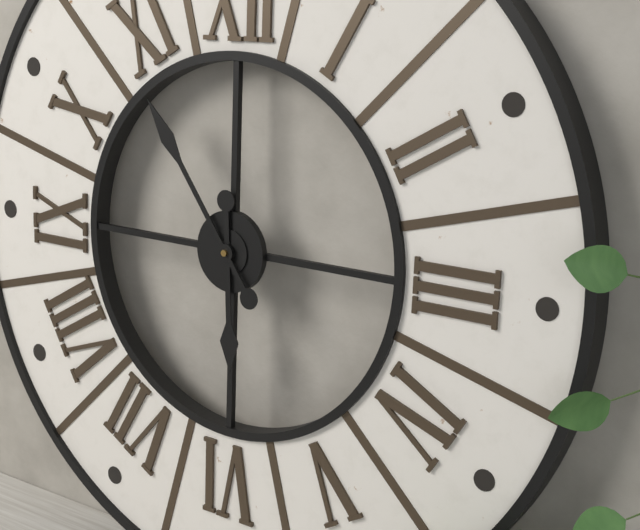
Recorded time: **5:54**
